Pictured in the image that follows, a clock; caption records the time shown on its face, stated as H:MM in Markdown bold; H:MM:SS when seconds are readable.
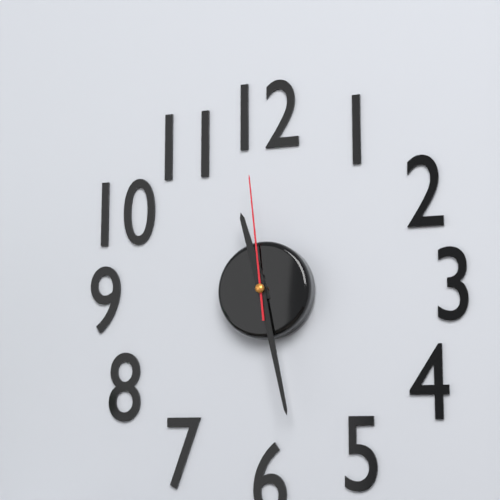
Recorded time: **11:28:59**
